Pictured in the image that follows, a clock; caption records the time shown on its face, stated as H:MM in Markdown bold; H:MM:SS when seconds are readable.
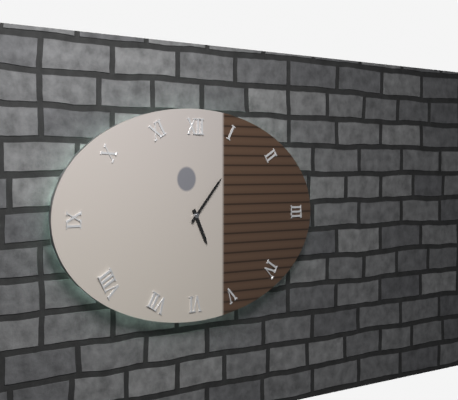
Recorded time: **5:07**
